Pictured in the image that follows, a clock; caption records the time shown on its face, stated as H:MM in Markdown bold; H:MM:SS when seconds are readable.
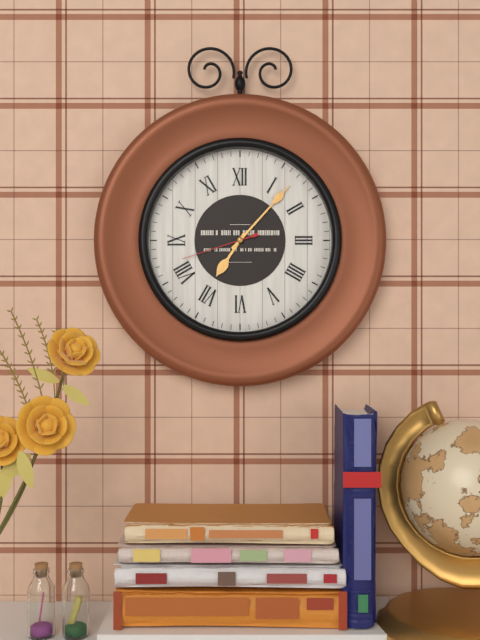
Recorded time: **7:07:42**
